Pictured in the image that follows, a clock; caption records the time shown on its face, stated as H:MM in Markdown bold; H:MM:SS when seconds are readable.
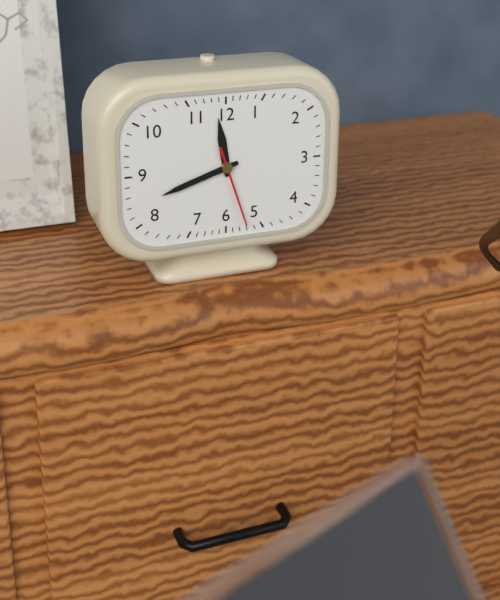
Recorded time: **11:42:27**
